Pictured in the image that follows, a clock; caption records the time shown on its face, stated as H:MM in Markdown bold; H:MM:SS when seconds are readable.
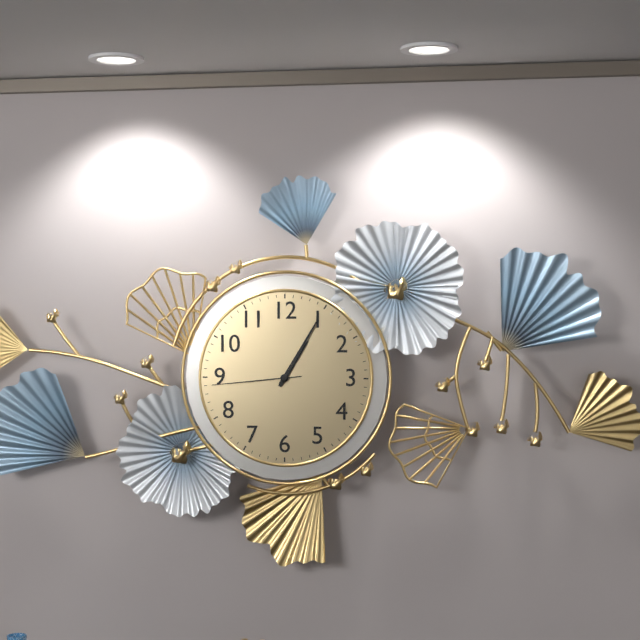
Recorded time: **1:05:44**
